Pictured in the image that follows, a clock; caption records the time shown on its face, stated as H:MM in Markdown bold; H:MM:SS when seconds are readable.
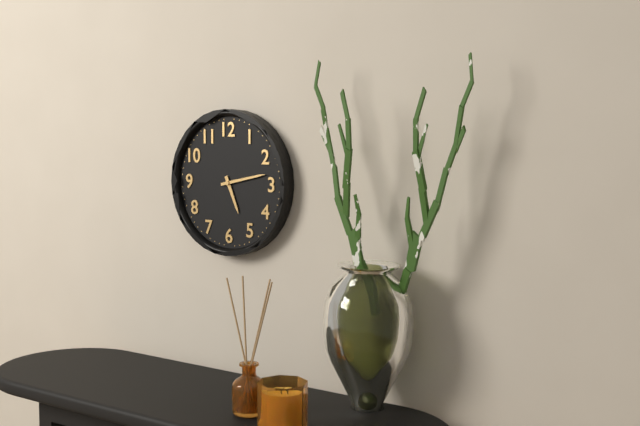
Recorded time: **5:13**
